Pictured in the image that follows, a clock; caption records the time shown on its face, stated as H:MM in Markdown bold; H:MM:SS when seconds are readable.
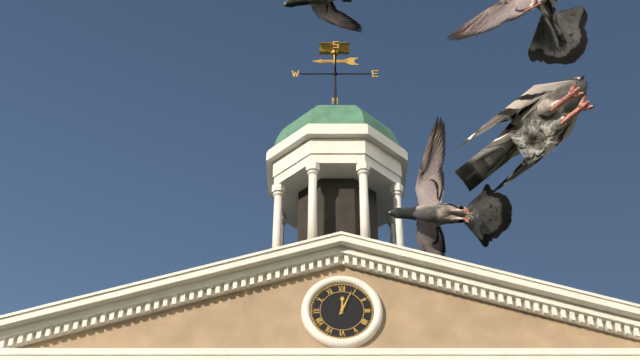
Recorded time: **12:04**
